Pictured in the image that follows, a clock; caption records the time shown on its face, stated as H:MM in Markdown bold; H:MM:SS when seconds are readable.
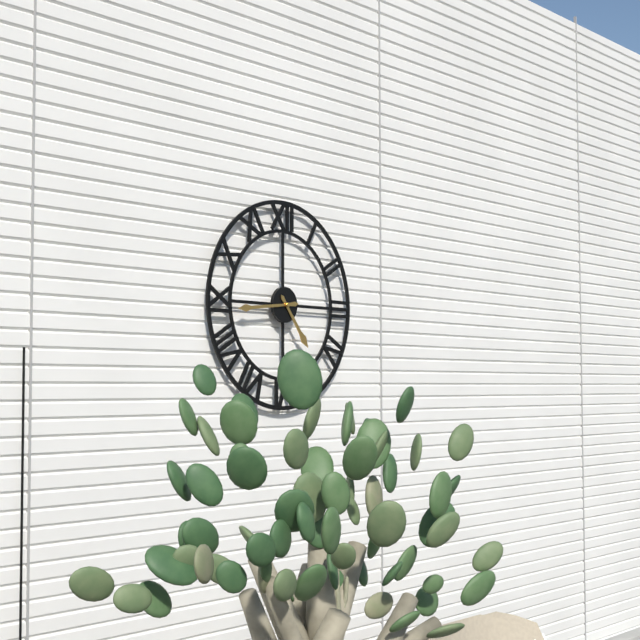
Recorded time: **4:44**
